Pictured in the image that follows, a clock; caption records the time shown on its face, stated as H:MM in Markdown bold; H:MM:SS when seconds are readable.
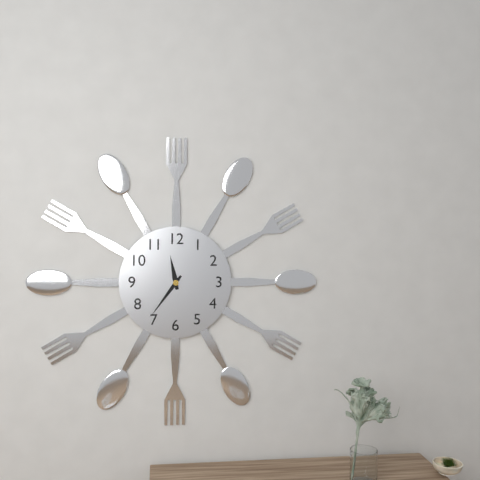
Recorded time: **11:36**
